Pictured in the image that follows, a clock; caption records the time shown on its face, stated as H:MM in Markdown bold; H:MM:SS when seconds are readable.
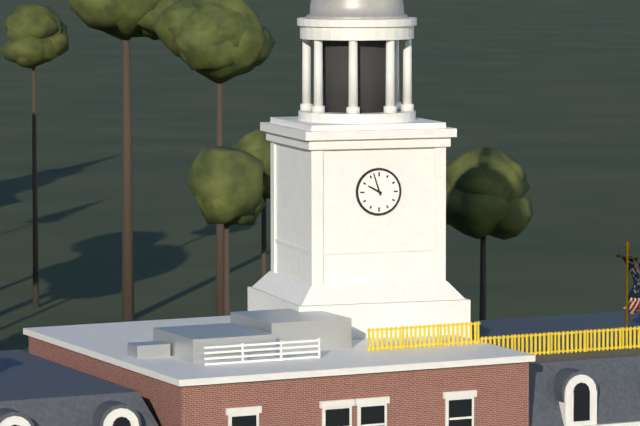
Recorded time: **9:57**
